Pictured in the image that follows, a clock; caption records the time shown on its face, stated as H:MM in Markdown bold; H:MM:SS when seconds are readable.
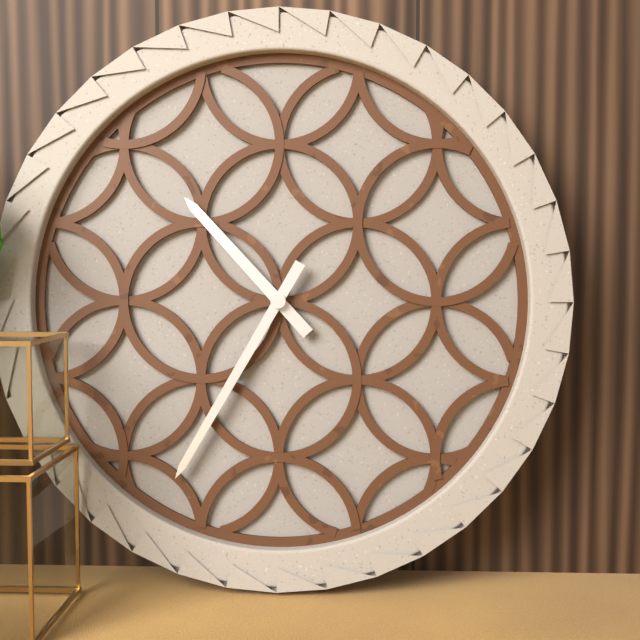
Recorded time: **10:35**
